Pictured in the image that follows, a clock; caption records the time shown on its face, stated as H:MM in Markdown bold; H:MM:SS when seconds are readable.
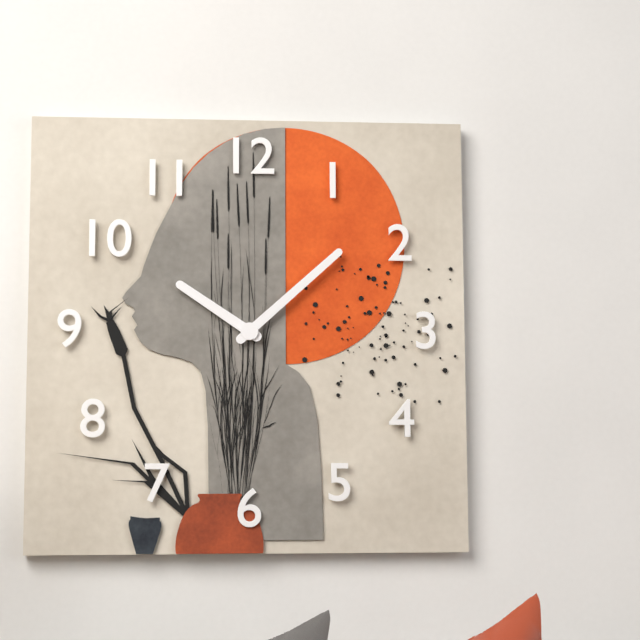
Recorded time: **10:08**
